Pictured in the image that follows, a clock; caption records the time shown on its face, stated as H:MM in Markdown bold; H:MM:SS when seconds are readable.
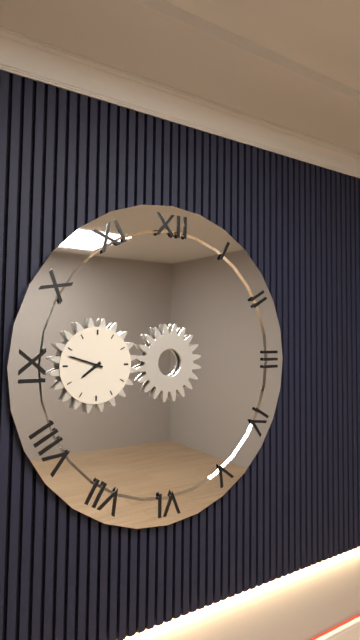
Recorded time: **7:48**
